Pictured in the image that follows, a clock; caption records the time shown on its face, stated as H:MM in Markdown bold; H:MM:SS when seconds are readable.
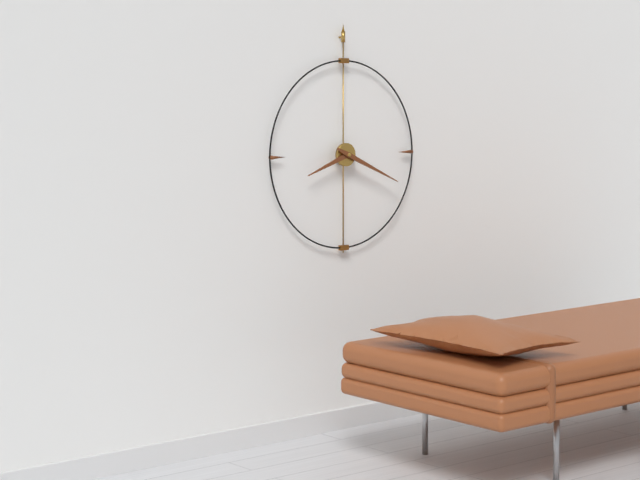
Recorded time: **8:19**
